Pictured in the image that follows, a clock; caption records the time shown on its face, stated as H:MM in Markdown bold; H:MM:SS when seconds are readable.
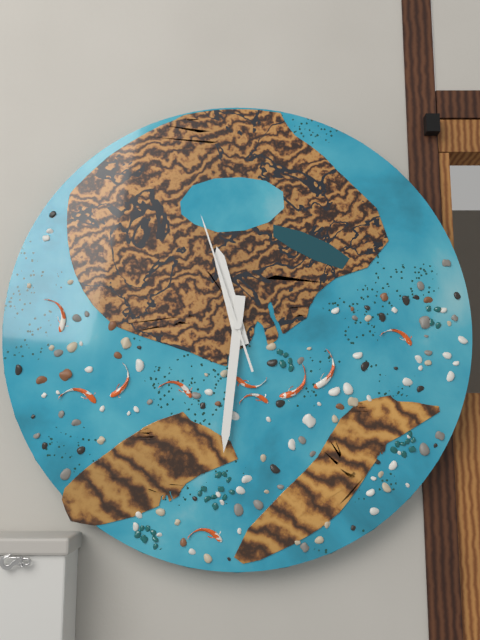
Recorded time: **11:31:57**
